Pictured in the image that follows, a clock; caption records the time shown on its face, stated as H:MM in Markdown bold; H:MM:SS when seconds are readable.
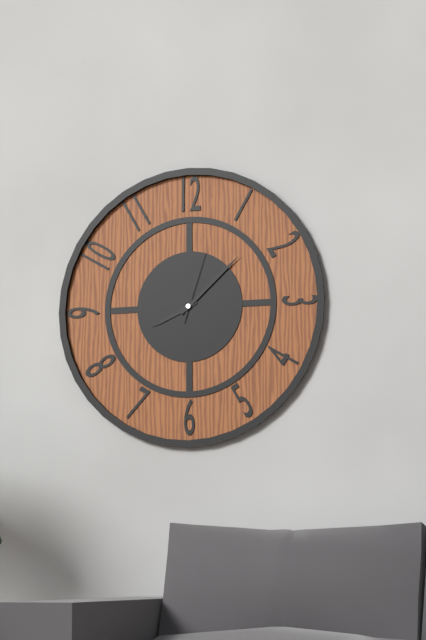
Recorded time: **8:08:03**
